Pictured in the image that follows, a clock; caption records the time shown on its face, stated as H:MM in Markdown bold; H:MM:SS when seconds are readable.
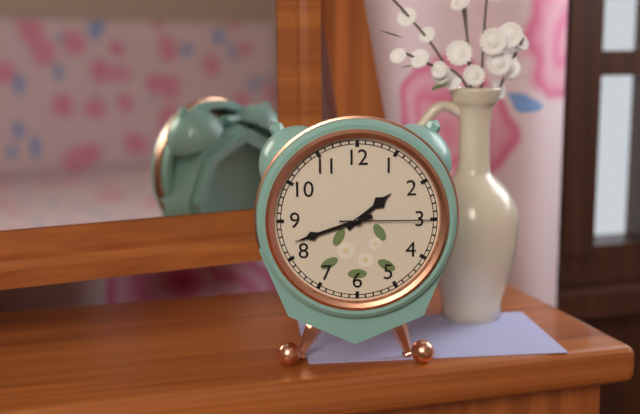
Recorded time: **1:42:15**
